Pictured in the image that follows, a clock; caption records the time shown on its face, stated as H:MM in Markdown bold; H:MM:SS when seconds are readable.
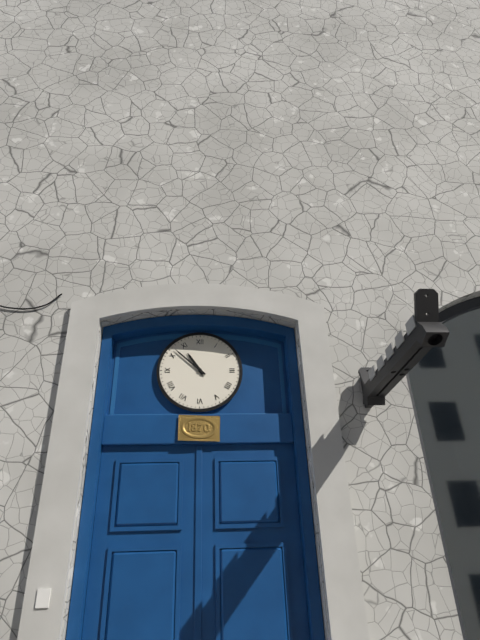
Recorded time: **10:52**
